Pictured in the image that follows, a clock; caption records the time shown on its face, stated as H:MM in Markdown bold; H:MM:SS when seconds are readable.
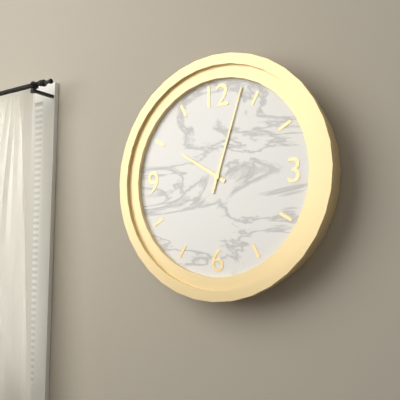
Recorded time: **10:03**
